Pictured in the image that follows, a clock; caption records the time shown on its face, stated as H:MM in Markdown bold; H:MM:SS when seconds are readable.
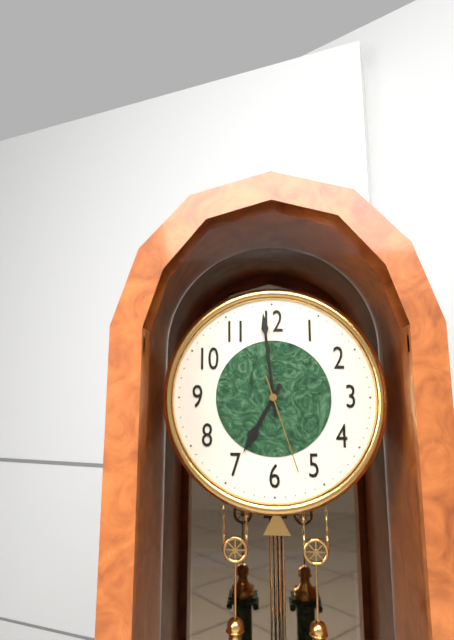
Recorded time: **6:59:27**
